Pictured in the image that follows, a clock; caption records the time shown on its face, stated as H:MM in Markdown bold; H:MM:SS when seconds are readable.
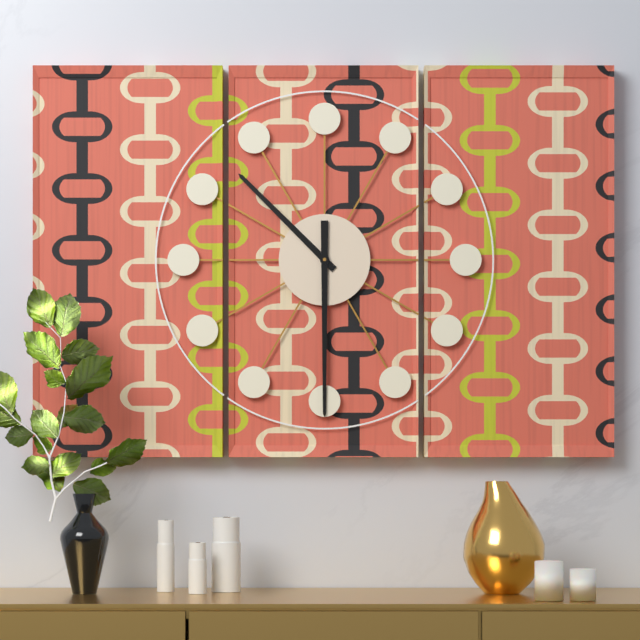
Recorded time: **10:30**
